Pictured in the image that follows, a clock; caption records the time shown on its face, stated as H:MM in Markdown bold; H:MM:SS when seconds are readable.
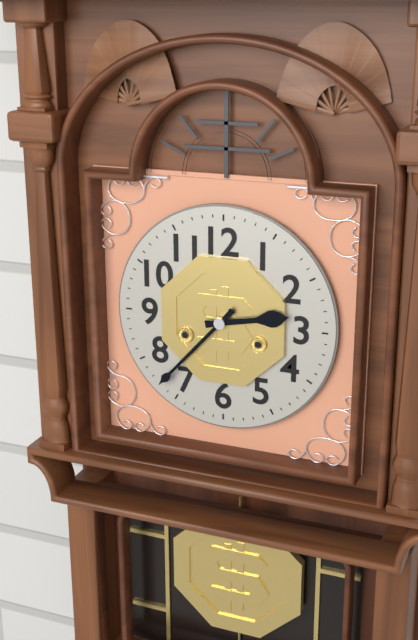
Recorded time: **2:37**
